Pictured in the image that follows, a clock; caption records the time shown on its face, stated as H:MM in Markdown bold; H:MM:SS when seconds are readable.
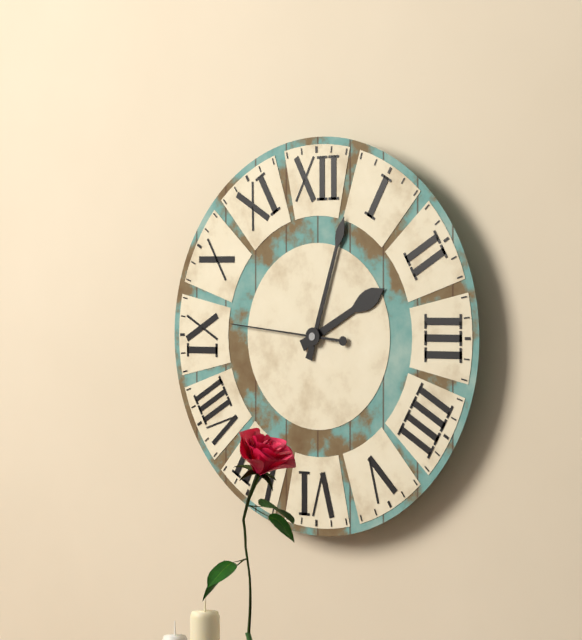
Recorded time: **2:03:46**
